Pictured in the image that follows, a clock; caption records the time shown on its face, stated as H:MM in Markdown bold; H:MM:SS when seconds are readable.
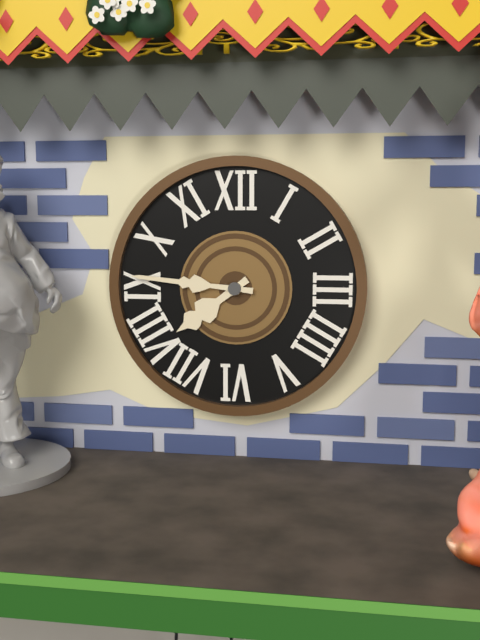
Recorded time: **7:46**
